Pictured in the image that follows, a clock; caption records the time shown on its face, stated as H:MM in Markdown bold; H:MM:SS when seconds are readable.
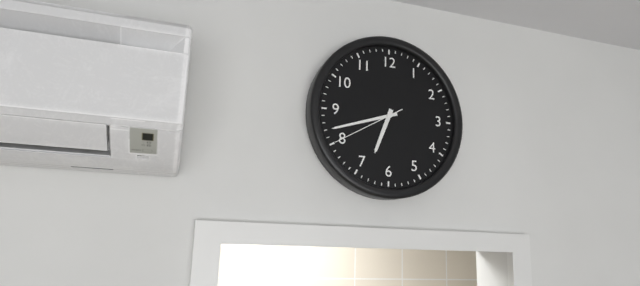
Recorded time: **6:42:40**
